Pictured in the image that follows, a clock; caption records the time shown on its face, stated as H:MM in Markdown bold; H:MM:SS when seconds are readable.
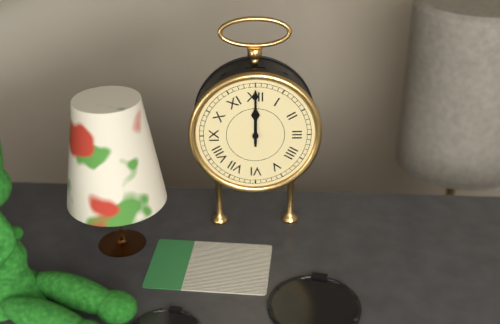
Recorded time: **12:00**
